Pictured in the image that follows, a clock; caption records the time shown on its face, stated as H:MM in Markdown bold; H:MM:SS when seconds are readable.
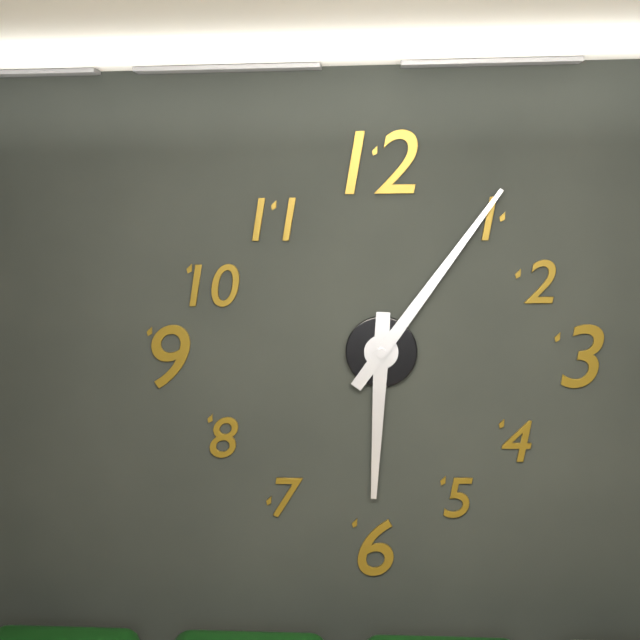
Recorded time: **6:06**
